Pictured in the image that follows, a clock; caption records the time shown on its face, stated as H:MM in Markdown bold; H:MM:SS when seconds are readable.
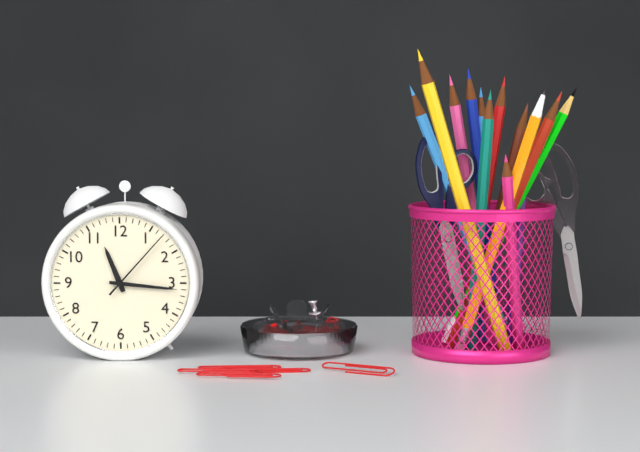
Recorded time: **11:16:07**
